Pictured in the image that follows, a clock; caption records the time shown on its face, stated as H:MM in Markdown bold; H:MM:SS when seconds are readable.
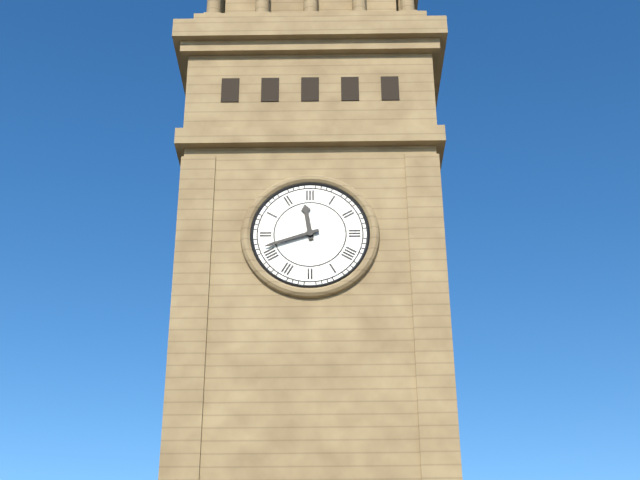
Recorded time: **11:42**
